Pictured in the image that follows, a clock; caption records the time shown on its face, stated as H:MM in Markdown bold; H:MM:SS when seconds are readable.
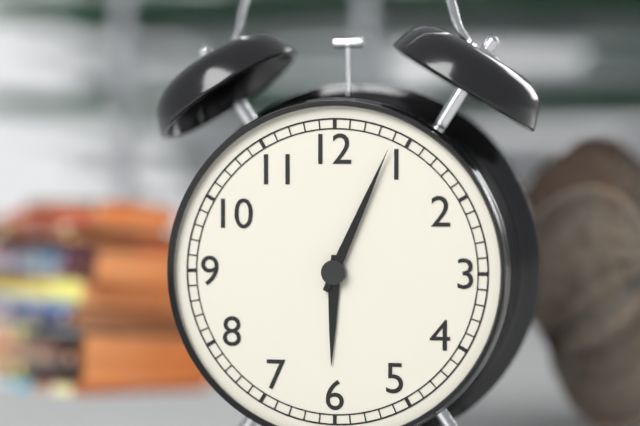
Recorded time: **6:04**
